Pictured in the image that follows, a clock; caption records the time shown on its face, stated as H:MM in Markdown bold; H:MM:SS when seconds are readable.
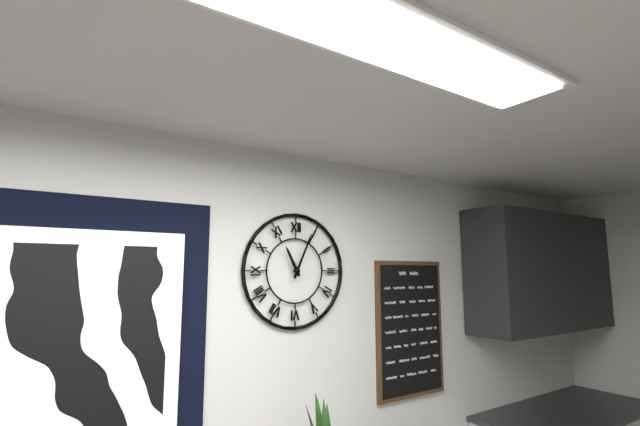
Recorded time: **11:04**
